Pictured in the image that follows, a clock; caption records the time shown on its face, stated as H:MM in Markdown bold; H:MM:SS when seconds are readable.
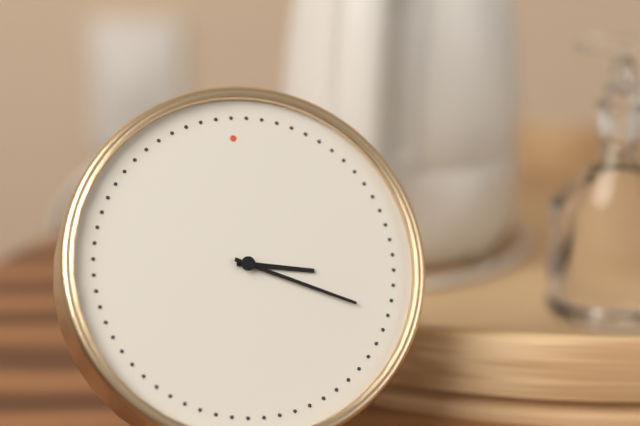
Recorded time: **3:19**
